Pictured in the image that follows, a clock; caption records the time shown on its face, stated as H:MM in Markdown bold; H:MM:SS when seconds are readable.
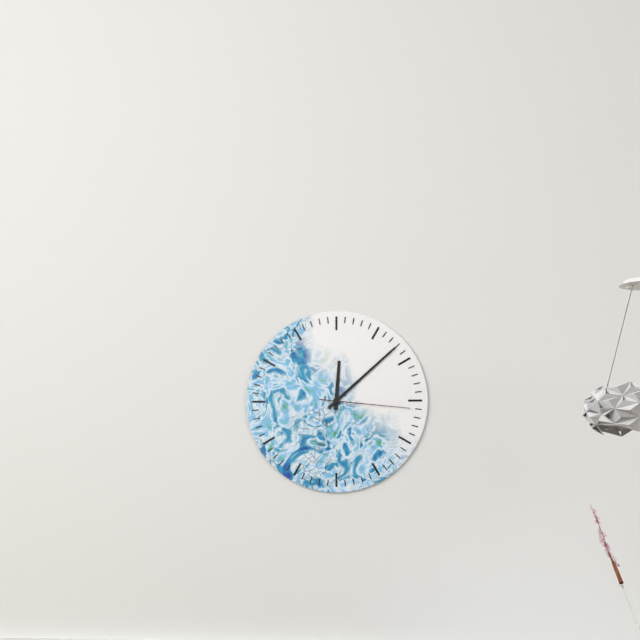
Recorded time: **12:08:16**
